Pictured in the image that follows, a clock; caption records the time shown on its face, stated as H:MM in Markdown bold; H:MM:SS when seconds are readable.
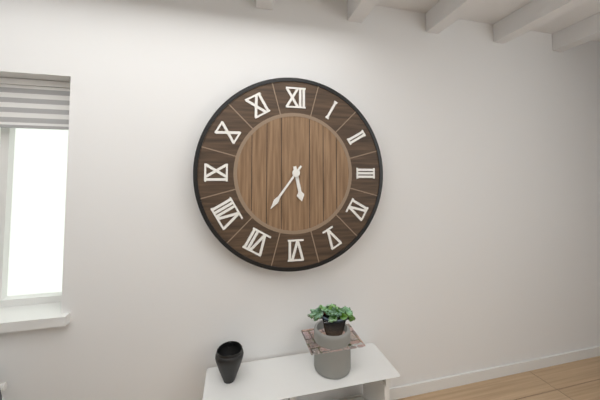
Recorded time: **5:36**
